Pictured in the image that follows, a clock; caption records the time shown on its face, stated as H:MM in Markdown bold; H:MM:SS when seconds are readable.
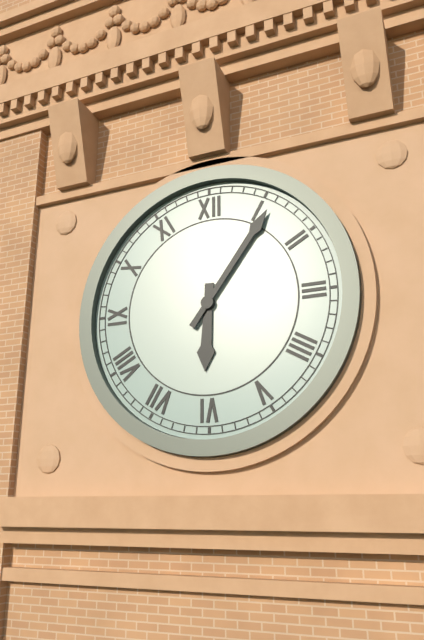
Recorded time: **6:06**
